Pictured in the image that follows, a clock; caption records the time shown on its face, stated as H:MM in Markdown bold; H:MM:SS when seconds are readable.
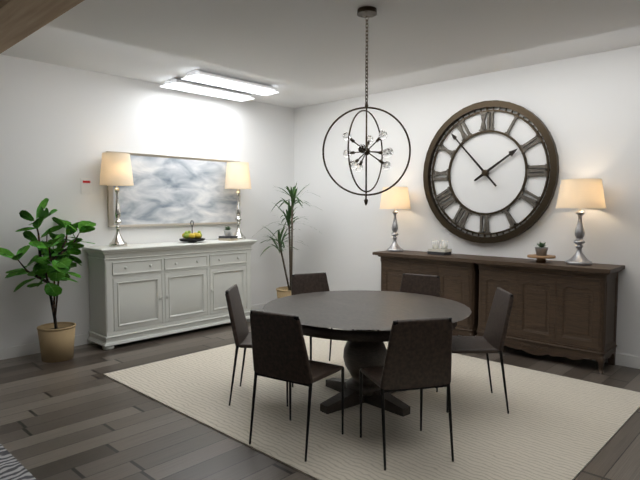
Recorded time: **1:53**
